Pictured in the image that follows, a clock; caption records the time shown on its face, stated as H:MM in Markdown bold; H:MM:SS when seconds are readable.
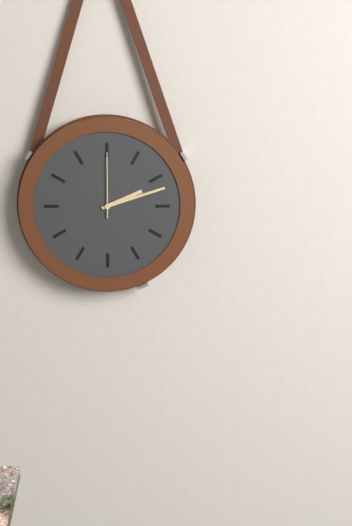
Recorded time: **2:12:00**
